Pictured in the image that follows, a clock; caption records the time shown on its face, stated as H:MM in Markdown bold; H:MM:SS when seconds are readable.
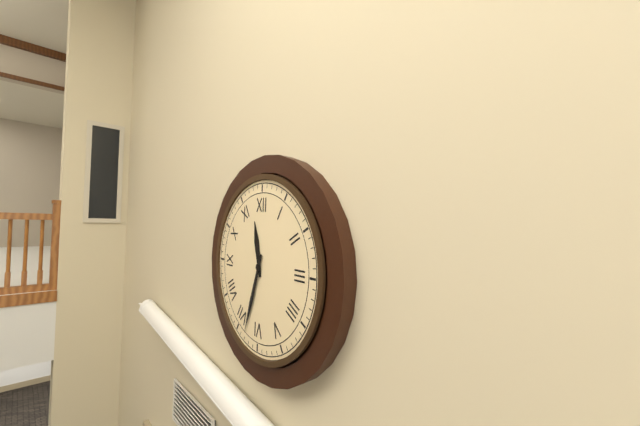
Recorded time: **11:33**
